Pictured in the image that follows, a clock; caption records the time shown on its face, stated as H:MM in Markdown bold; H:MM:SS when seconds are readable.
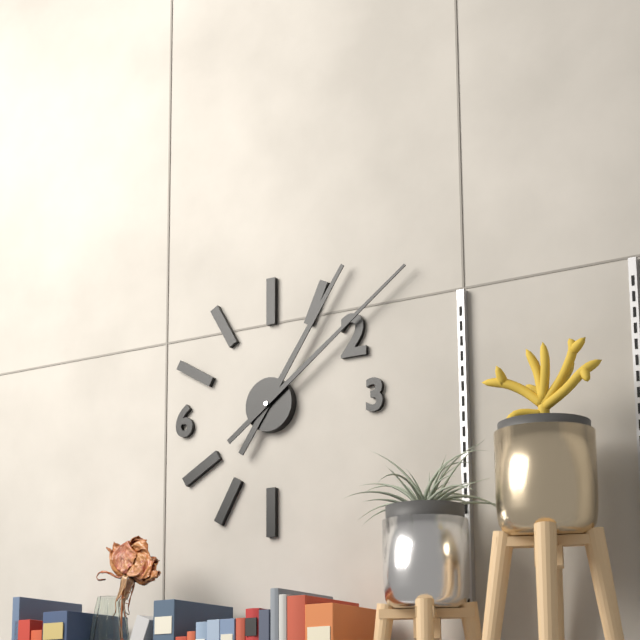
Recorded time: **1:09**
